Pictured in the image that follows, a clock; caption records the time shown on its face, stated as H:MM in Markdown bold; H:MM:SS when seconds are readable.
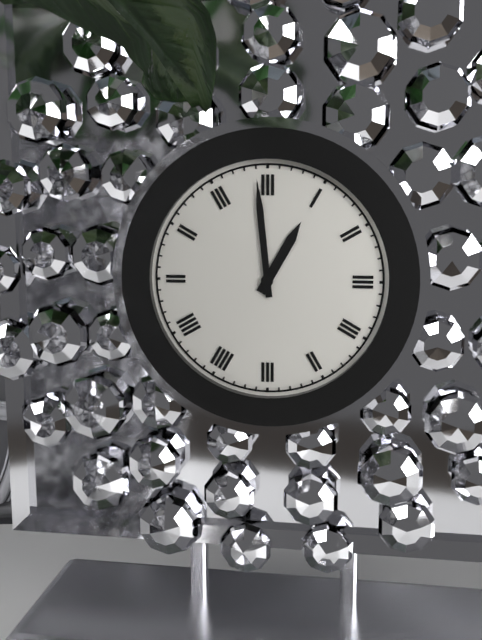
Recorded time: **12:59**
